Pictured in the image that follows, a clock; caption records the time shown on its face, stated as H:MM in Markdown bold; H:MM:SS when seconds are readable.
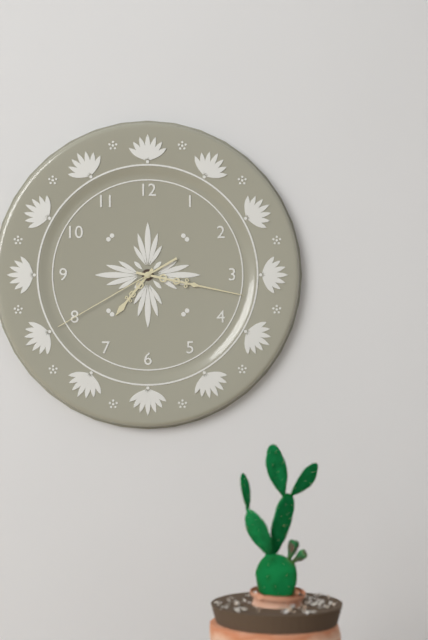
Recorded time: **7:17:40**
